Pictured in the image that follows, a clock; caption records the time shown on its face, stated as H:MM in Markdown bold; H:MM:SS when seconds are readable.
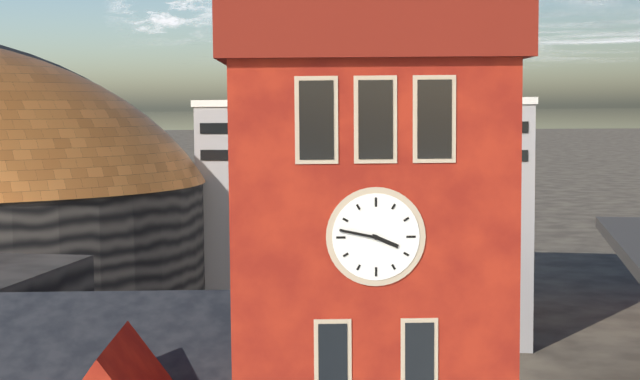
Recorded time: **3:47**
